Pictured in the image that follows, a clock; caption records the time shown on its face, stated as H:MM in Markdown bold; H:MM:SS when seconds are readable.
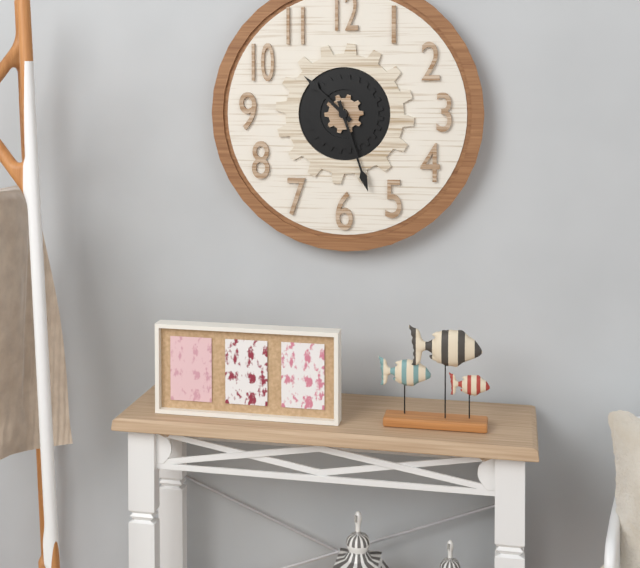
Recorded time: **10:27**
